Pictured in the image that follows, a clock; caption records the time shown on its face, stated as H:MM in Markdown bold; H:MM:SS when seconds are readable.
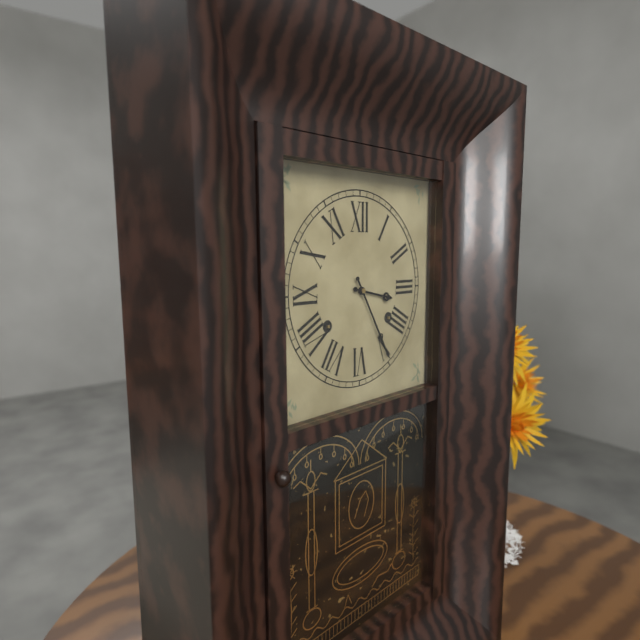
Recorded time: **3:25**
